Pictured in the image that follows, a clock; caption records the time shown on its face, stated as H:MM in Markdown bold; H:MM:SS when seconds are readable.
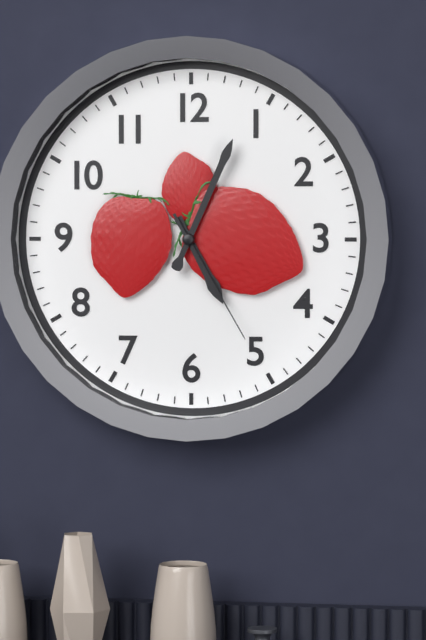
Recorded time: **5:04:25**
